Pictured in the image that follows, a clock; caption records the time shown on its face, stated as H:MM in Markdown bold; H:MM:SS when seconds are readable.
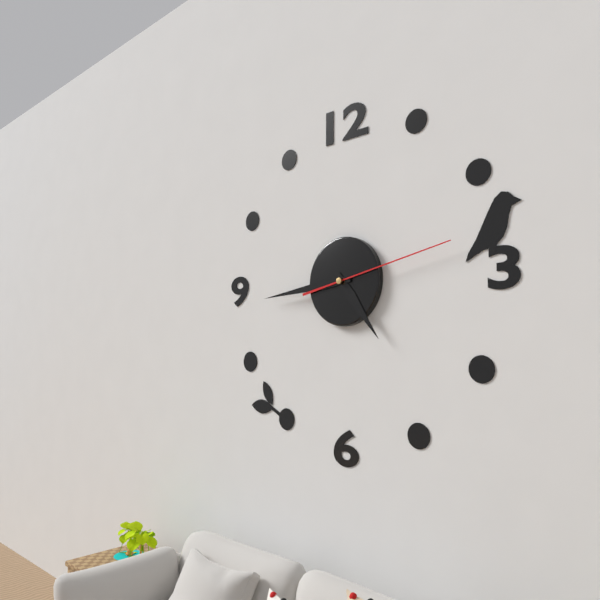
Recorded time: **4:44:13**
